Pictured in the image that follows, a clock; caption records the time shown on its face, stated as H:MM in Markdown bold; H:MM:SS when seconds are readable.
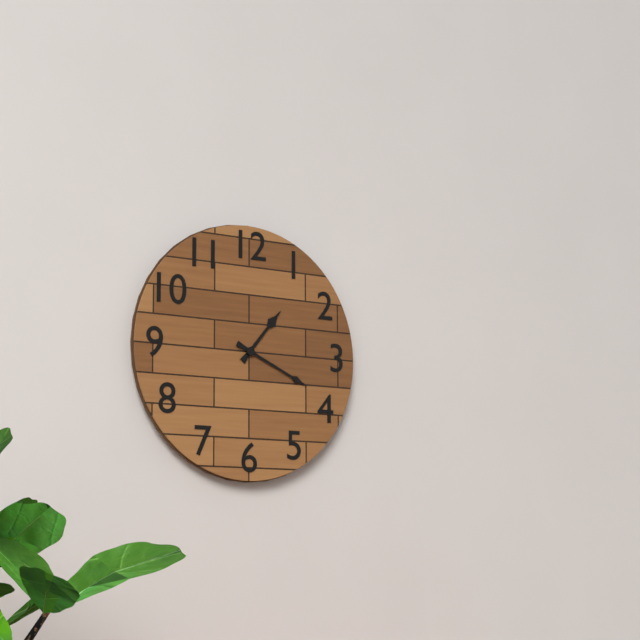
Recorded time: **1:19**
